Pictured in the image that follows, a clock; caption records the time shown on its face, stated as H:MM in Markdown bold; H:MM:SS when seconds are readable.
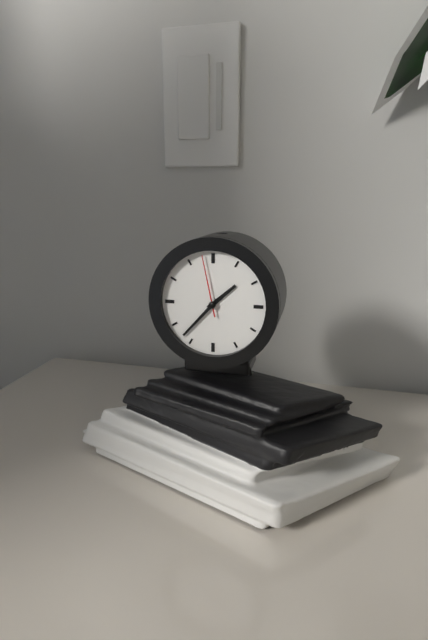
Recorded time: **1:37:58**
